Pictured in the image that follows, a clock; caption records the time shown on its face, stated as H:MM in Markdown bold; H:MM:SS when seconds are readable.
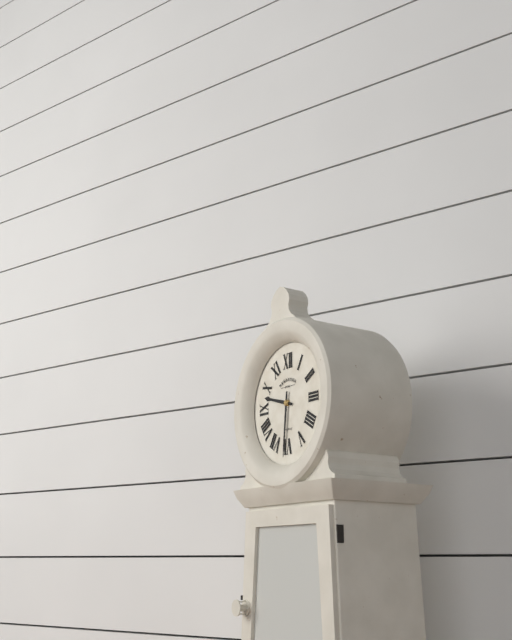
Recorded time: **9:31**
